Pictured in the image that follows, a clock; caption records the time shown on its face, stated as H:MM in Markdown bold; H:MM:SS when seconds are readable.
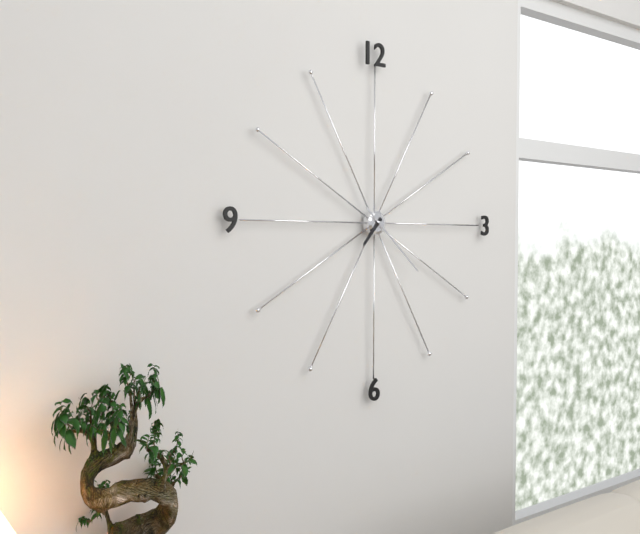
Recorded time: **7:22**
